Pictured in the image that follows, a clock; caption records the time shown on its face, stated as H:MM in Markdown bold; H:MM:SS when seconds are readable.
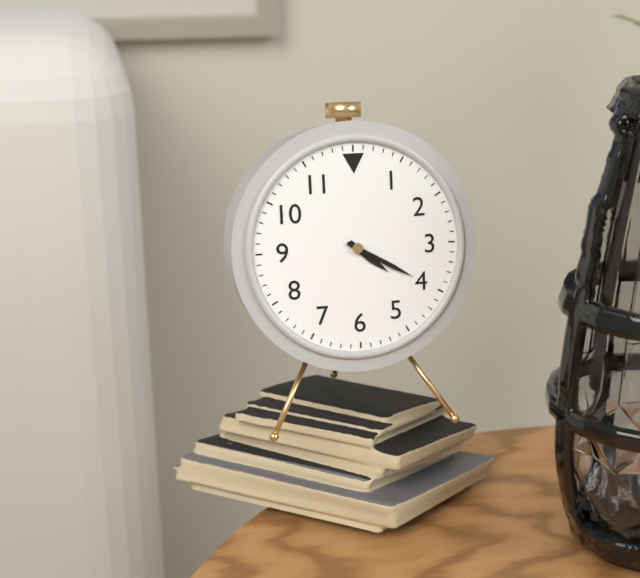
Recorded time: **4:20**
